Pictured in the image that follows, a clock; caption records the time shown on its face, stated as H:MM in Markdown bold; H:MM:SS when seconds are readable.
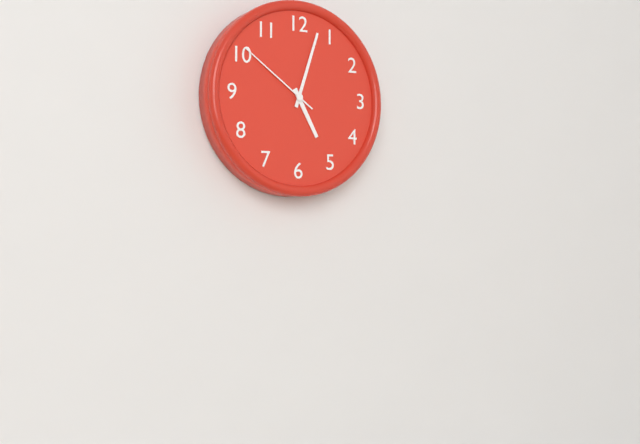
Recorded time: **5:03:51**
